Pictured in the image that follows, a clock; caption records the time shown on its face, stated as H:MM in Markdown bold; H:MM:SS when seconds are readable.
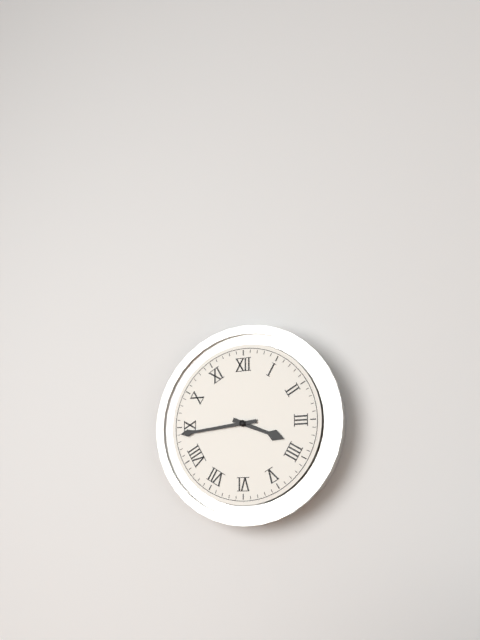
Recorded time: **3:44**
